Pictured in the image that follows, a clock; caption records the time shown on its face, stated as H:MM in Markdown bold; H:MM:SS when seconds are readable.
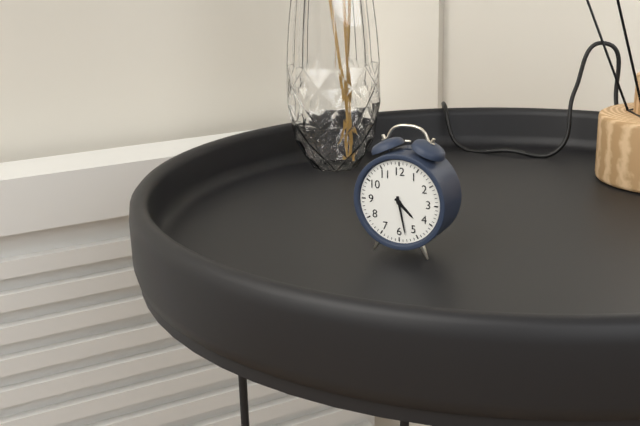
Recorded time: **4:28**
